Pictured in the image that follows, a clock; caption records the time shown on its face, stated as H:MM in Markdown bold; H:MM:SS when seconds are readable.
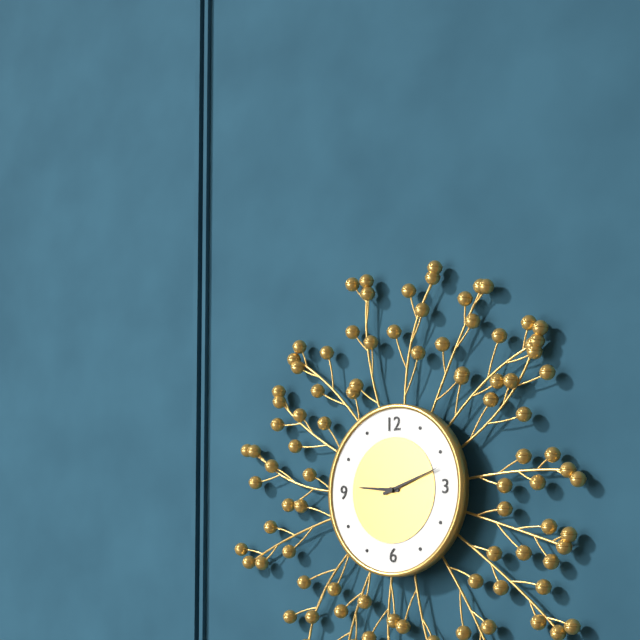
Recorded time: **9:12**
